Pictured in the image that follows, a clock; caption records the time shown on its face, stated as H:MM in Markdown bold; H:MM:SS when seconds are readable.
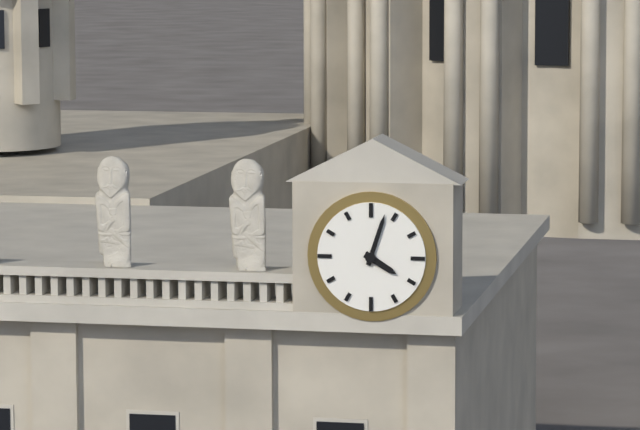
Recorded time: **4:03**
